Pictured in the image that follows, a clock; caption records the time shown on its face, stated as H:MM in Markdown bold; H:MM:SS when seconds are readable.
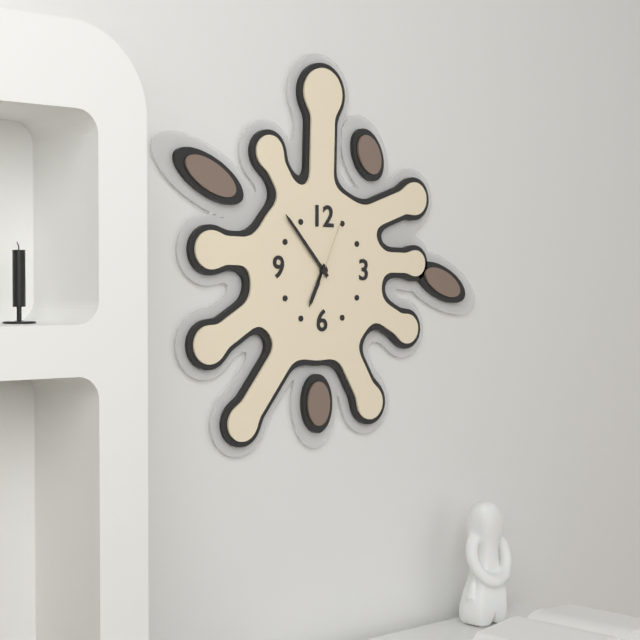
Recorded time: **6:53:04**
